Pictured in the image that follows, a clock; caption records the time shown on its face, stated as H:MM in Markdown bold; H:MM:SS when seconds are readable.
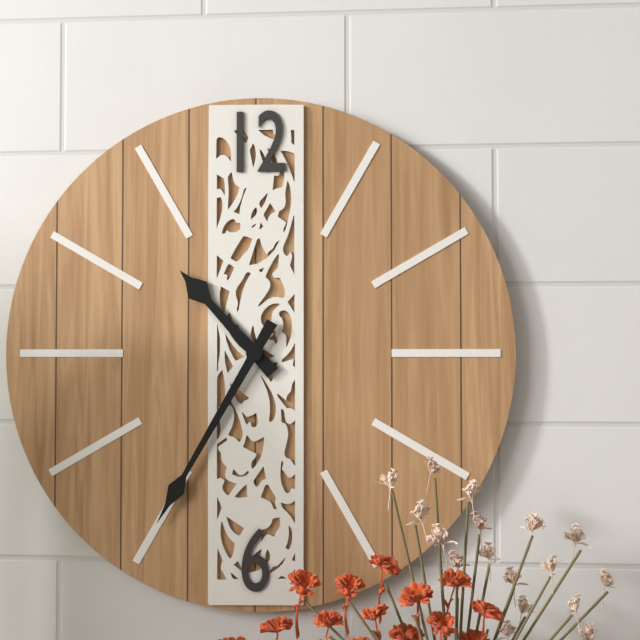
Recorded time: **10:35**
